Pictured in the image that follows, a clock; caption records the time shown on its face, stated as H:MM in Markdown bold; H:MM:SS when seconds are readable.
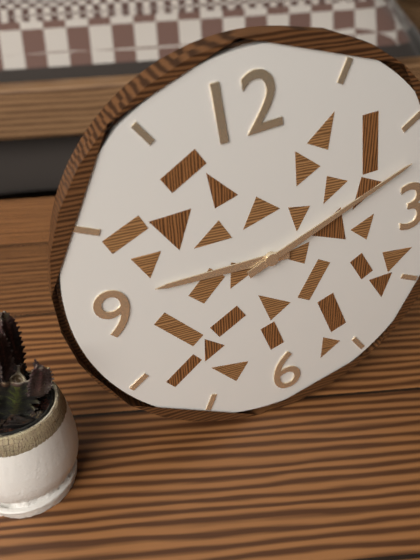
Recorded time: **9:12**
